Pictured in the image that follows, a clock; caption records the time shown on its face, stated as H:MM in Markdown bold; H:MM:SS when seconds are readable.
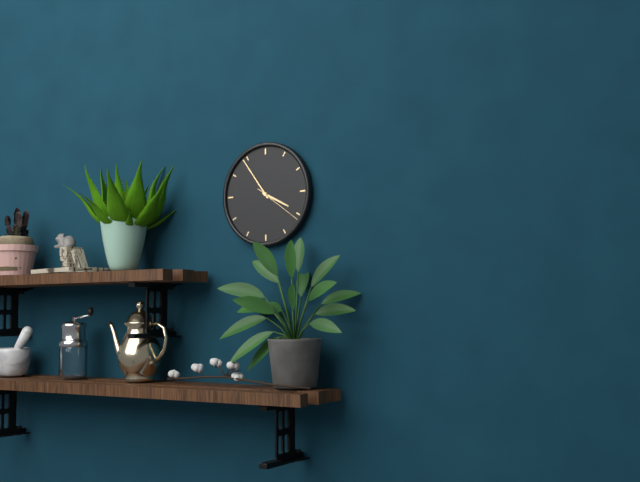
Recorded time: **3:54:21**
